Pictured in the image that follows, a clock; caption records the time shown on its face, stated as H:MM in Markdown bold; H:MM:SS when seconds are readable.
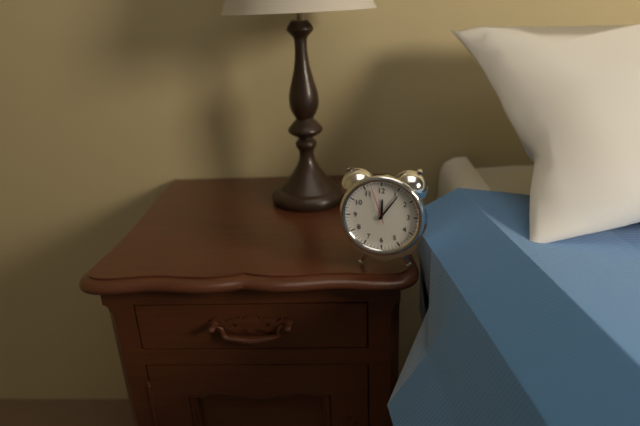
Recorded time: **12:06**
